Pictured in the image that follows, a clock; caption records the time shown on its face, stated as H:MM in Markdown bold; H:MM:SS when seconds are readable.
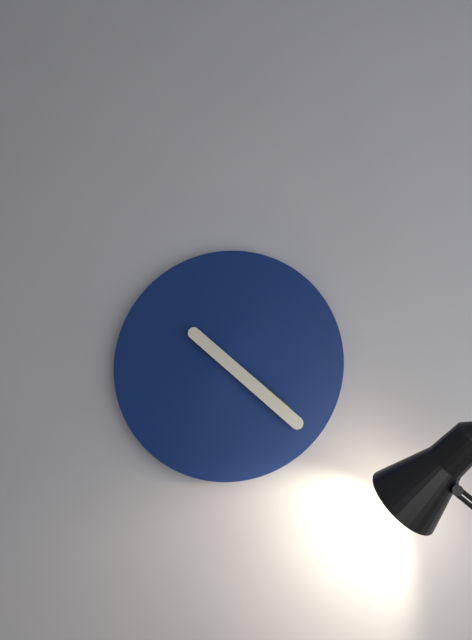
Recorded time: **4:22**
